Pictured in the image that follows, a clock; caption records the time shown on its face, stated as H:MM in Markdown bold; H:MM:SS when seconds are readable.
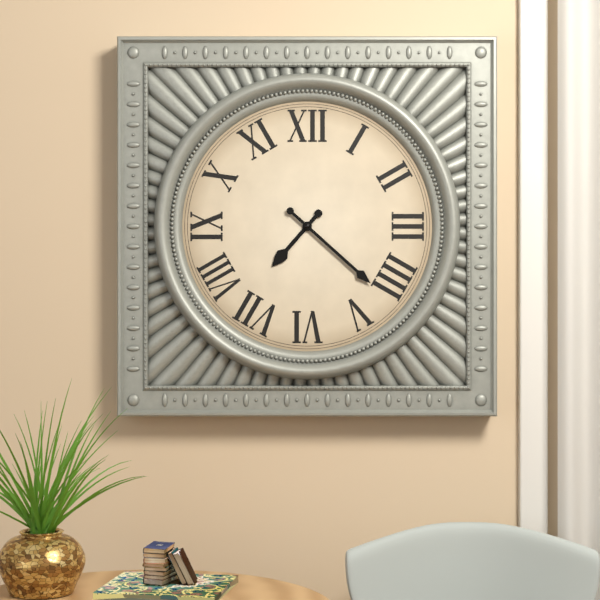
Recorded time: **7:22**
